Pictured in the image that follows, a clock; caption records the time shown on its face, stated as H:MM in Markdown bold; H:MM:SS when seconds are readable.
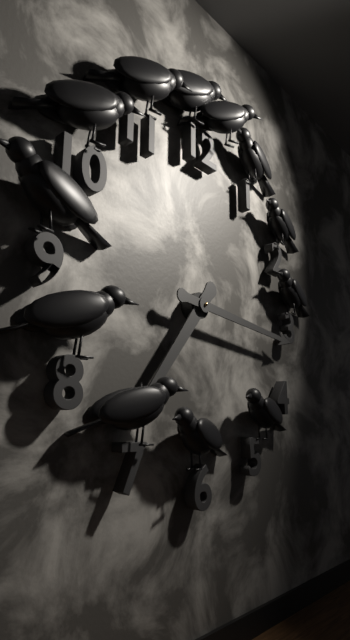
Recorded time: **7:16**
